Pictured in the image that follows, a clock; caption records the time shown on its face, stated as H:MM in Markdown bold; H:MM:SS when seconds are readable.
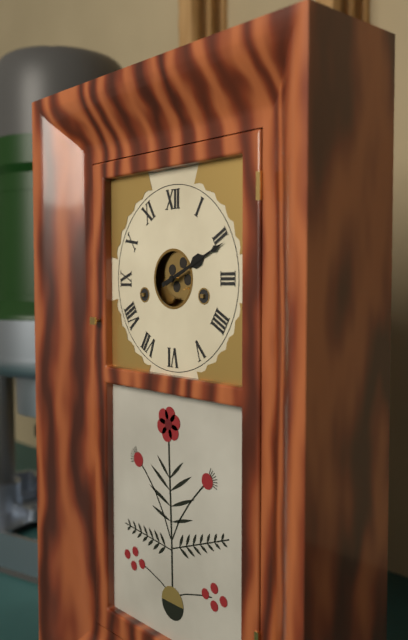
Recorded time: **2:11**
